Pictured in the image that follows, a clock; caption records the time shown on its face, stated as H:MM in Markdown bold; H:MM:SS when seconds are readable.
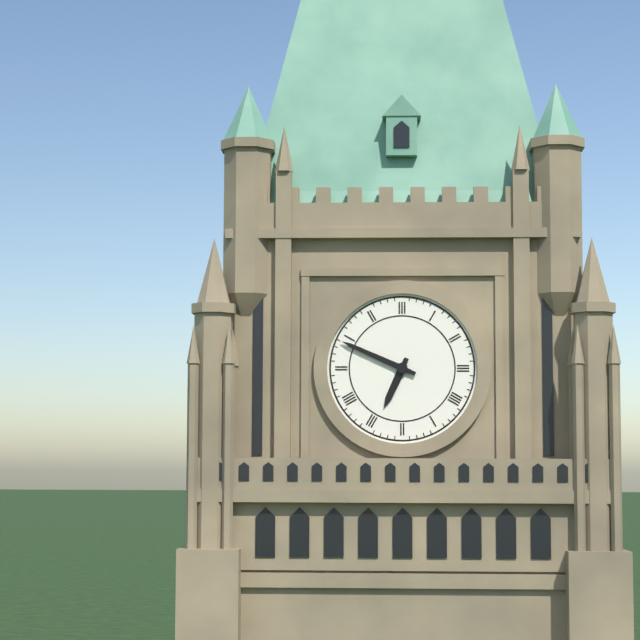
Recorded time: **6:49**
